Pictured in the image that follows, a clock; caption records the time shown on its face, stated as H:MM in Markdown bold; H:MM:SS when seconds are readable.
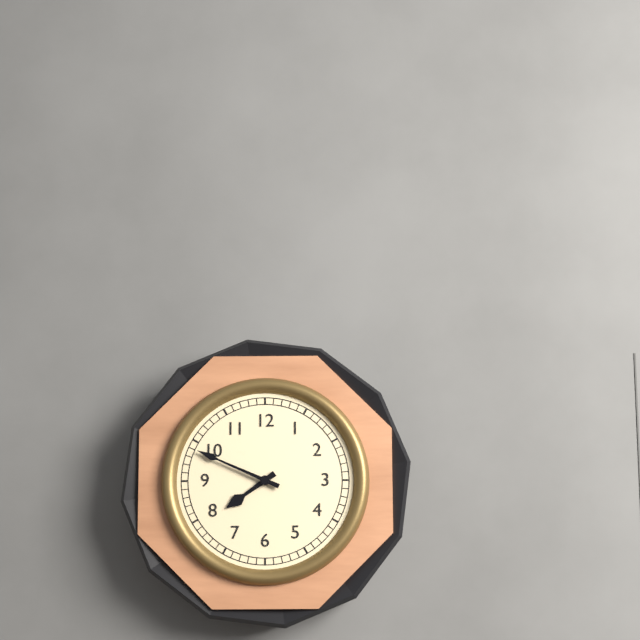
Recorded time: **7:49**
